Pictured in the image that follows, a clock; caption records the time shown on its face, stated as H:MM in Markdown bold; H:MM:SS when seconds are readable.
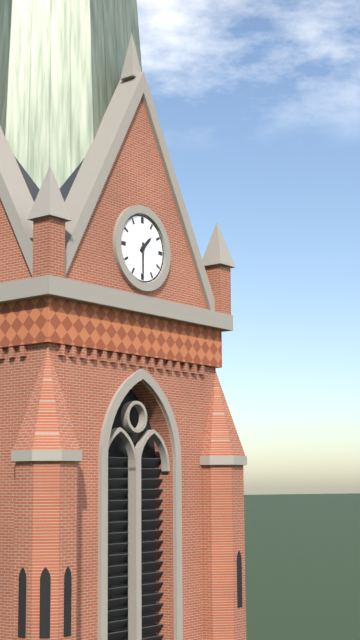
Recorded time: **1:30**
